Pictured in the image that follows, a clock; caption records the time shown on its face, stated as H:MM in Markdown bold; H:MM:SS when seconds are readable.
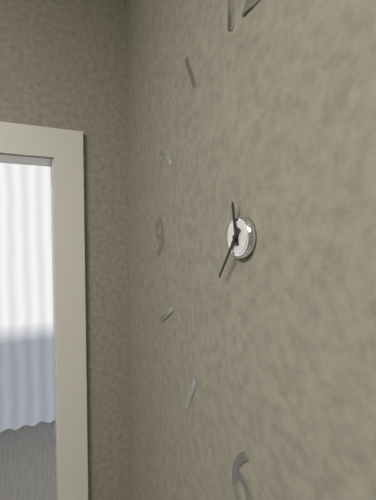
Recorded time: **11:36**
